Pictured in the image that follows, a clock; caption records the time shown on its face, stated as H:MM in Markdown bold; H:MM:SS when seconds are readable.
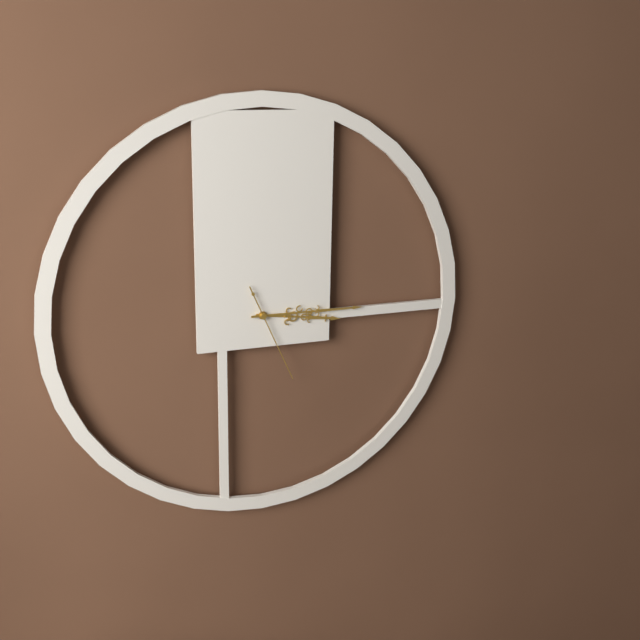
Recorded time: **3:15:26**
